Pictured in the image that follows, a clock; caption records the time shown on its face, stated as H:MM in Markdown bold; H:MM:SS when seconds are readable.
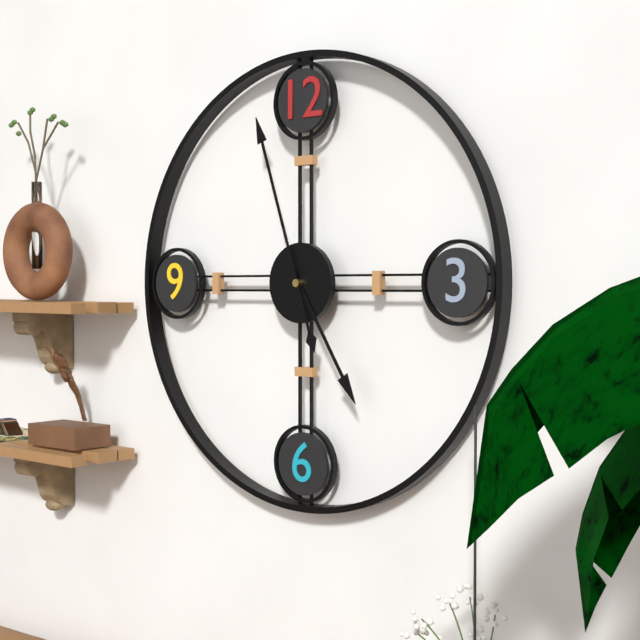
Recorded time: **4:57**
